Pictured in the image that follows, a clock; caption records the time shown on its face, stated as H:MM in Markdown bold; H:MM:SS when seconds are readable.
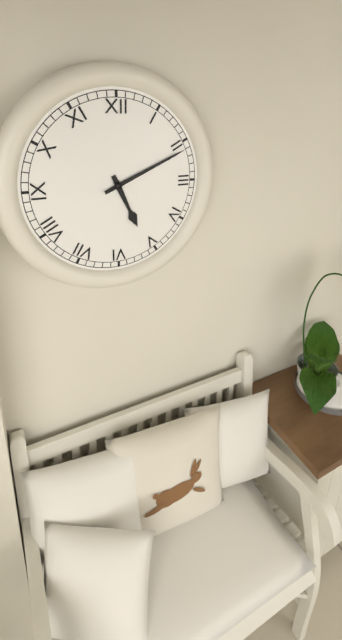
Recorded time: **5:11**
